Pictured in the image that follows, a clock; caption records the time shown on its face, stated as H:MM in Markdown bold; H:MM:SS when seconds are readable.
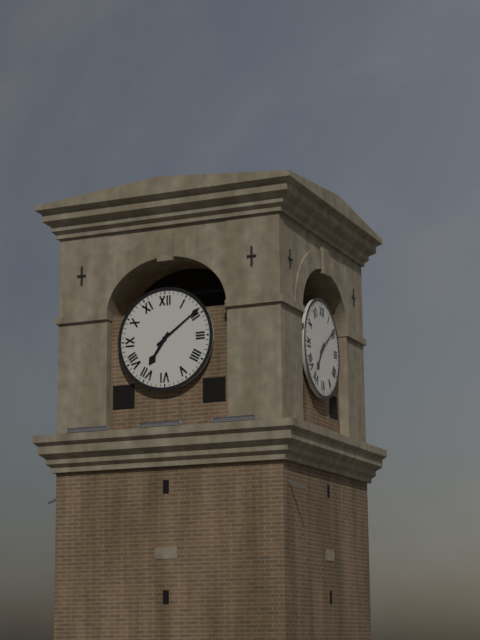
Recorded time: **7:09**
